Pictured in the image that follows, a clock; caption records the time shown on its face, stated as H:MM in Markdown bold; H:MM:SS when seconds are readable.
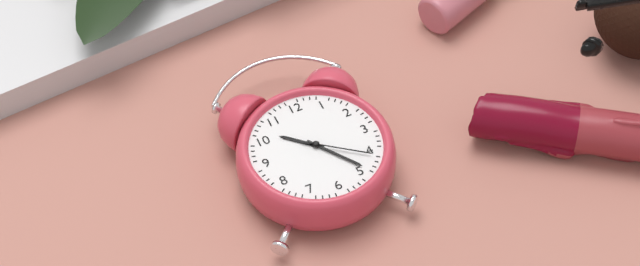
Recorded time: **10:24:21**
